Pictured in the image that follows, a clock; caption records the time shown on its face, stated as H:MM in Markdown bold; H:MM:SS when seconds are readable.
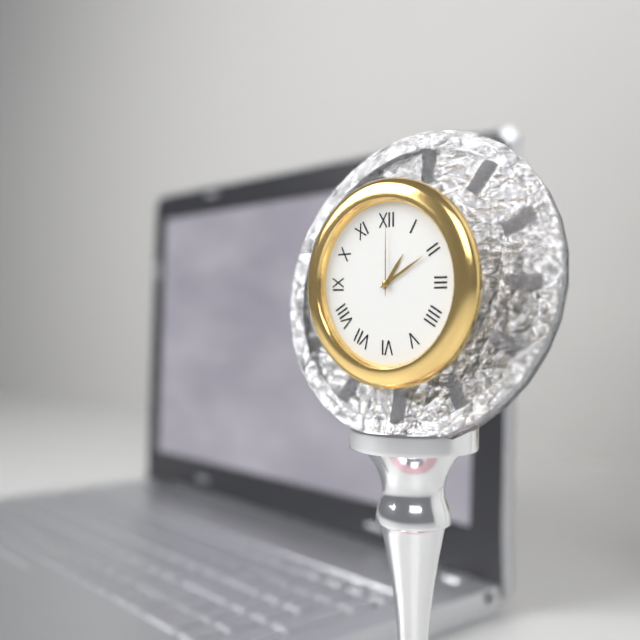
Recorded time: **1:10:00**
